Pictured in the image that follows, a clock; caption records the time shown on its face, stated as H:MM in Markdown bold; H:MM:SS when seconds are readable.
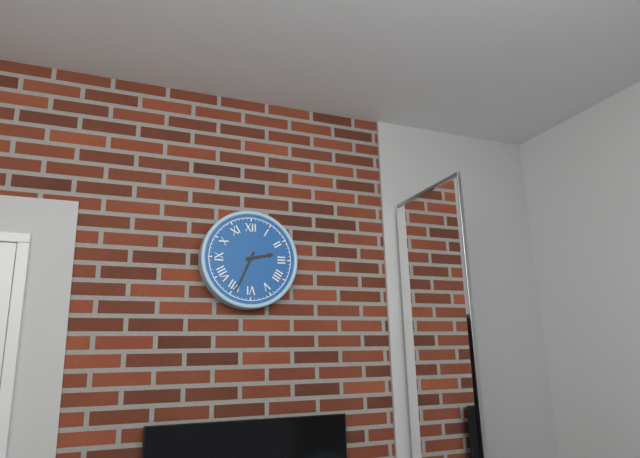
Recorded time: **2:34**
